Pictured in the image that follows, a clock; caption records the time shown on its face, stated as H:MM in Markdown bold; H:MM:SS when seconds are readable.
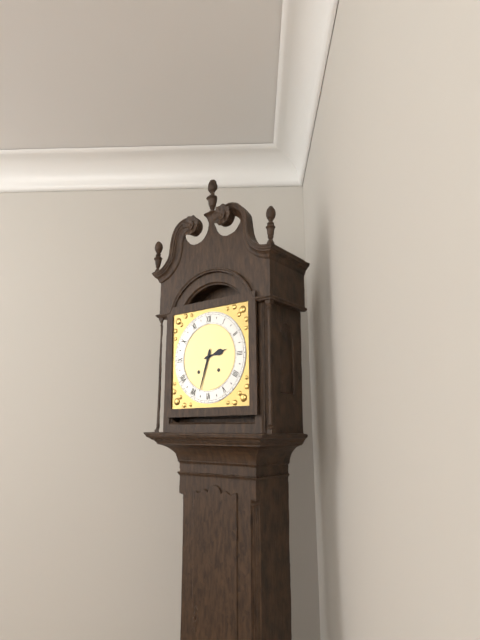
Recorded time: **2:33**
